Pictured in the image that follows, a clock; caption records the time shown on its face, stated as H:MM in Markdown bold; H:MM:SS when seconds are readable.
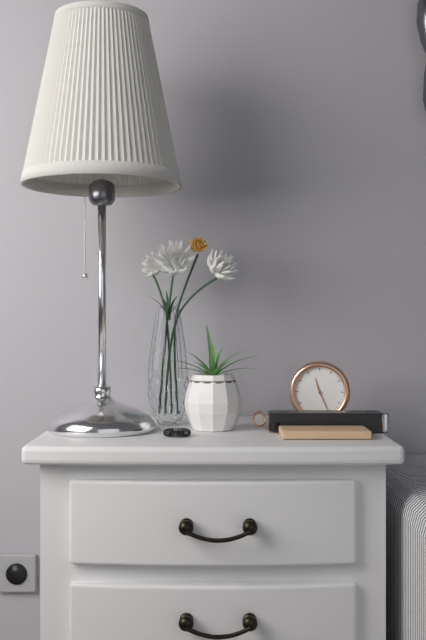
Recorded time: **11:26**
